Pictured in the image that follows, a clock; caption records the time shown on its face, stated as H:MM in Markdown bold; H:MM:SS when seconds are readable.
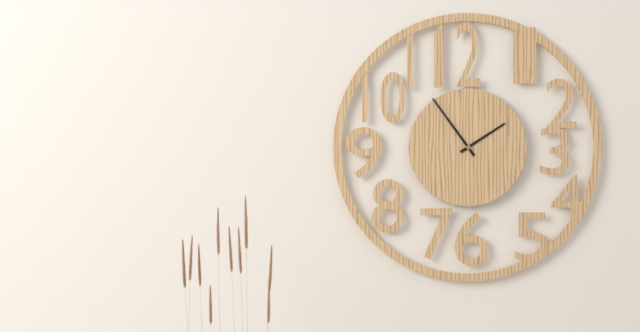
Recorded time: **1:54**
